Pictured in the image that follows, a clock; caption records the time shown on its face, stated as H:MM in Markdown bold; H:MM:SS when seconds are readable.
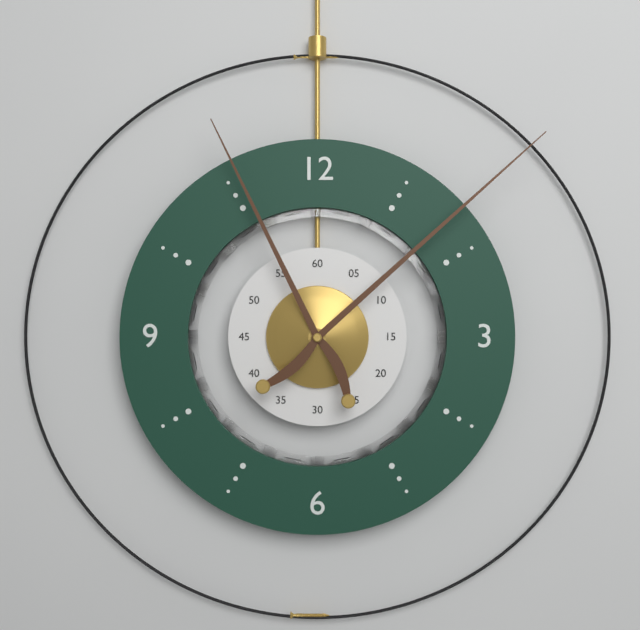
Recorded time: **11:08**
